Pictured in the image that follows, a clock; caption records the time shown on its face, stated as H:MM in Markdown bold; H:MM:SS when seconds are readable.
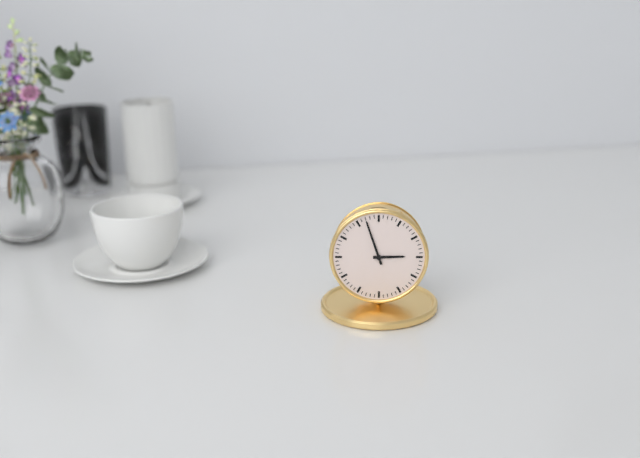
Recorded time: **2:57**
